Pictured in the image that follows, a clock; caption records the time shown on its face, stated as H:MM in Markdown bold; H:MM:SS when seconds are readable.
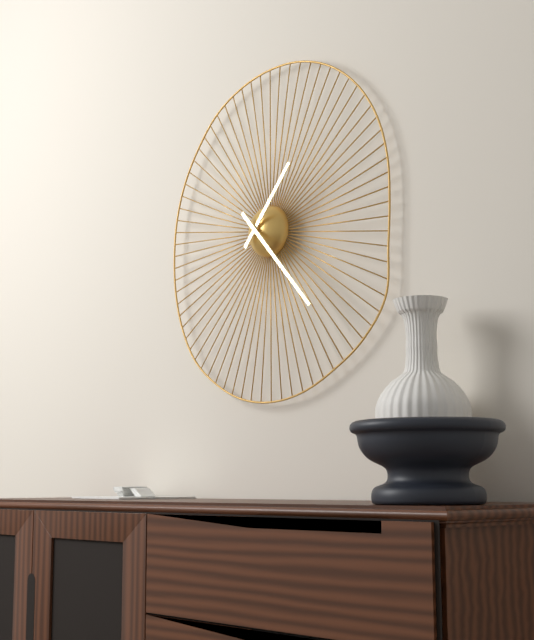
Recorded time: **1:23**
